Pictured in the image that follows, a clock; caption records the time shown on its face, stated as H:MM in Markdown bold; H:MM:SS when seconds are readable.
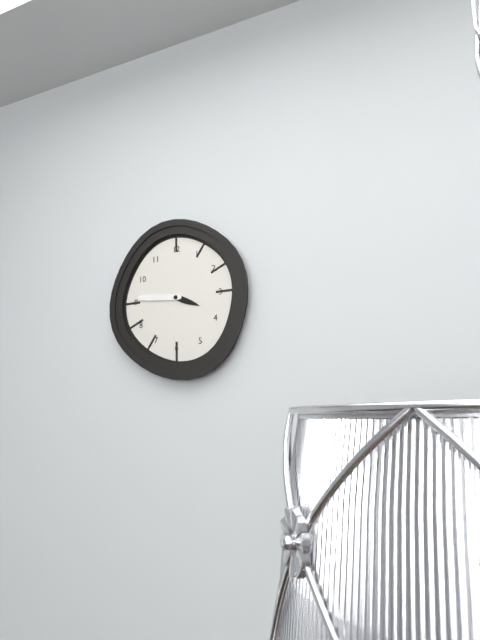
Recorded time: **3:46**
